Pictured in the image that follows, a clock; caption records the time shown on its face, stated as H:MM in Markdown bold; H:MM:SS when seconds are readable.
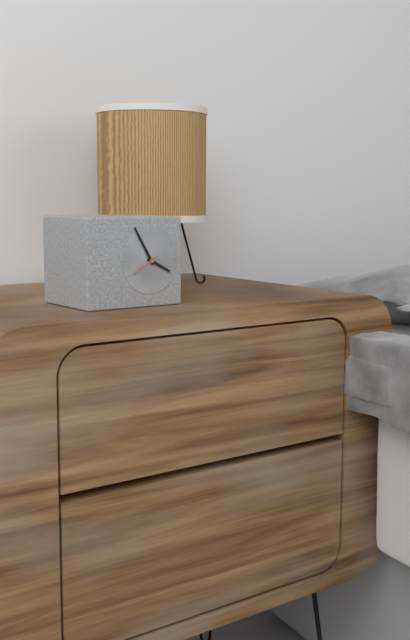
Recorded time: **3:55**
